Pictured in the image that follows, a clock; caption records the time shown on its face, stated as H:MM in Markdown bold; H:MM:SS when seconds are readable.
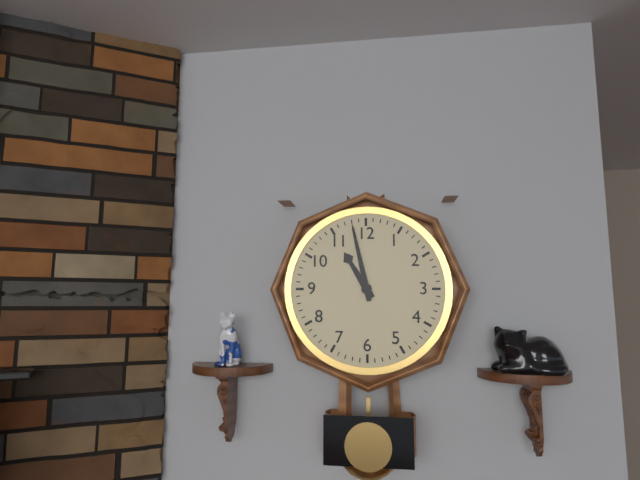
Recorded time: **10:58**
